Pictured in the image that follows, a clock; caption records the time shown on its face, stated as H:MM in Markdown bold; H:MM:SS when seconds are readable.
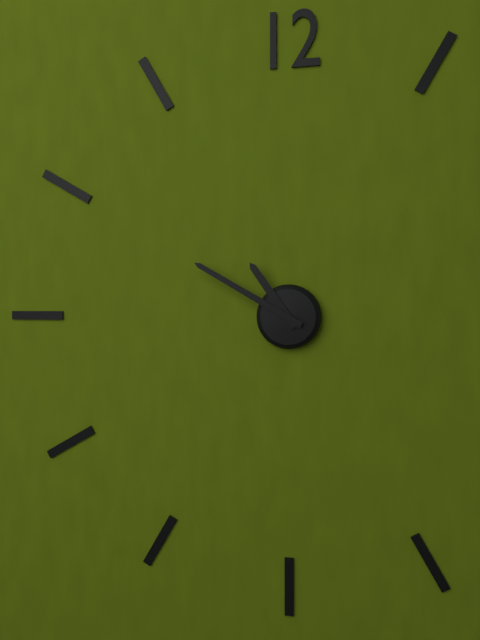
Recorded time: **10:50**
